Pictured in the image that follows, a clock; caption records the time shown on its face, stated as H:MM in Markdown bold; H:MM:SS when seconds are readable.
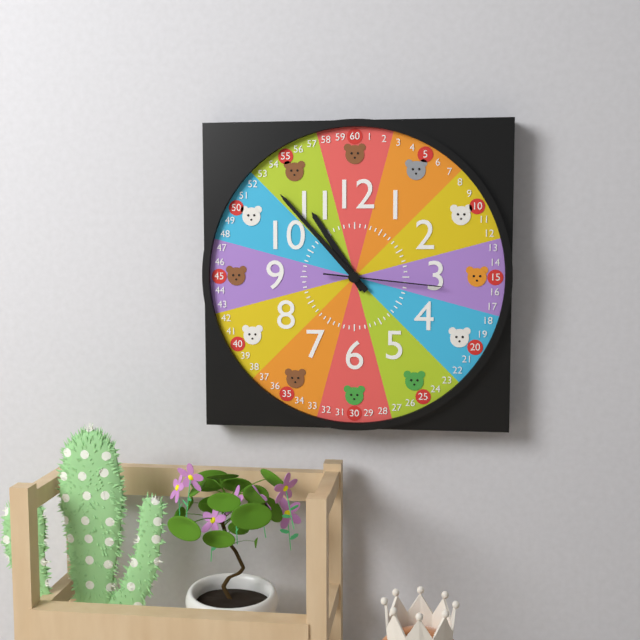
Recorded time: **10:53:16**
